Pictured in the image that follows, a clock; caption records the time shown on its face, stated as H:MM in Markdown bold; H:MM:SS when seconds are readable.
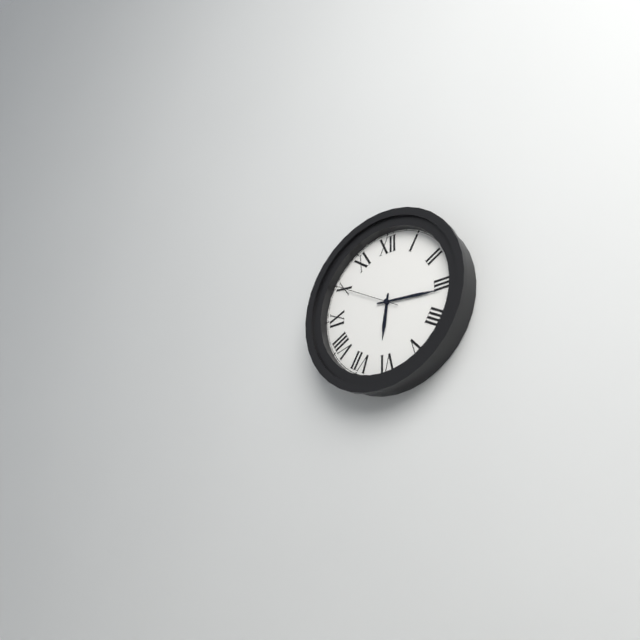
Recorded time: **6:16:50**
